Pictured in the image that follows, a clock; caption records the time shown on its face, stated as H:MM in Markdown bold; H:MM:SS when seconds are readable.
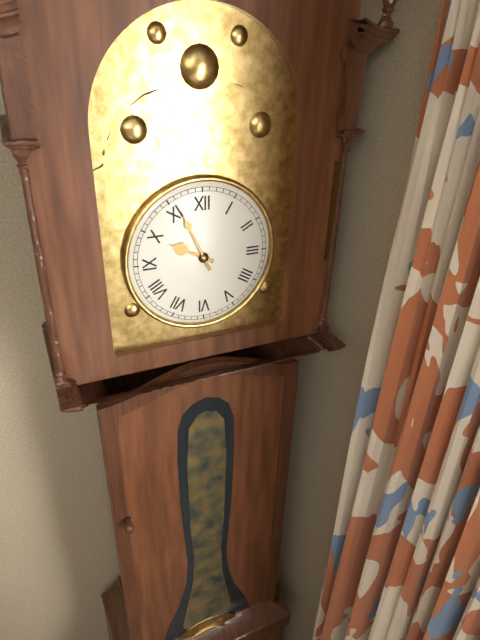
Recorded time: **9:56**
